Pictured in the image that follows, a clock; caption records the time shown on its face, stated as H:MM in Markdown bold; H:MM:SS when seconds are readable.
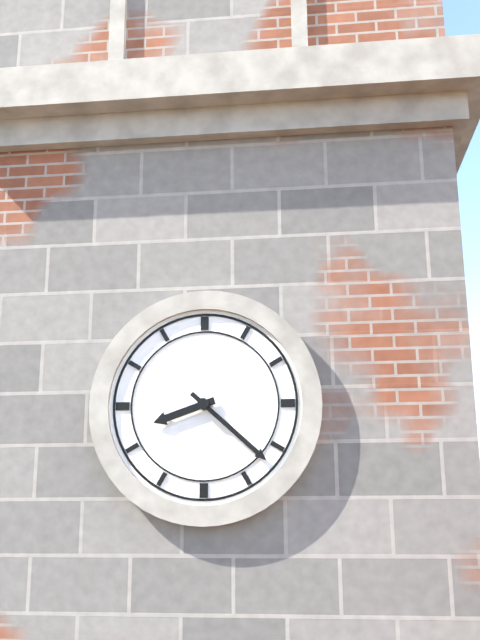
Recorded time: **8:22**
